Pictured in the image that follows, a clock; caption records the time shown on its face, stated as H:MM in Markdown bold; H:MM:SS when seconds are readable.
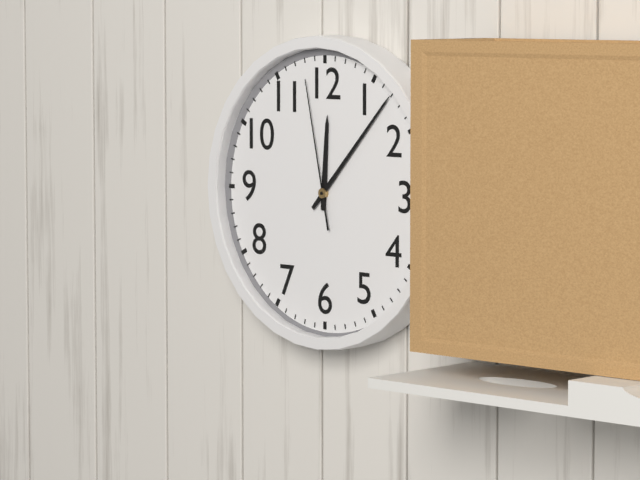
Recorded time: **12:07:58**
